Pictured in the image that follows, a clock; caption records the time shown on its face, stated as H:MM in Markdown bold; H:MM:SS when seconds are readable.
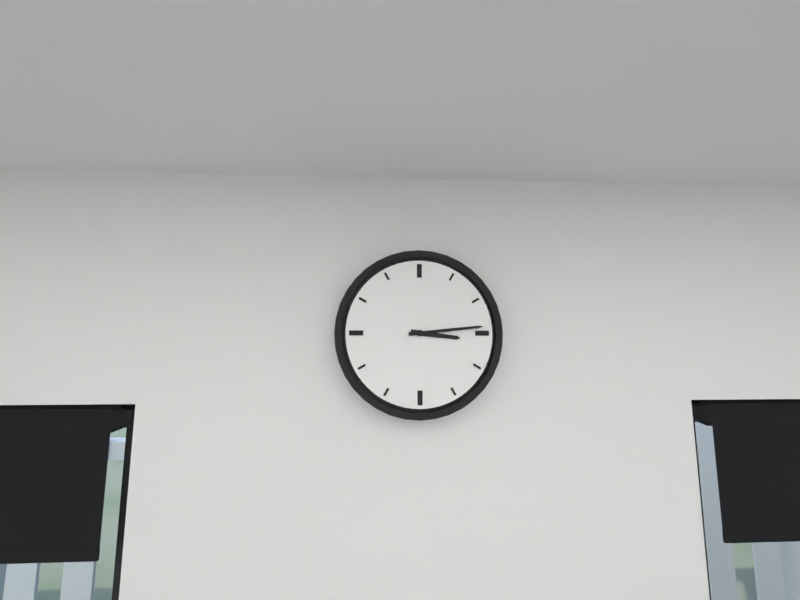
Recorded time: **3:14**
